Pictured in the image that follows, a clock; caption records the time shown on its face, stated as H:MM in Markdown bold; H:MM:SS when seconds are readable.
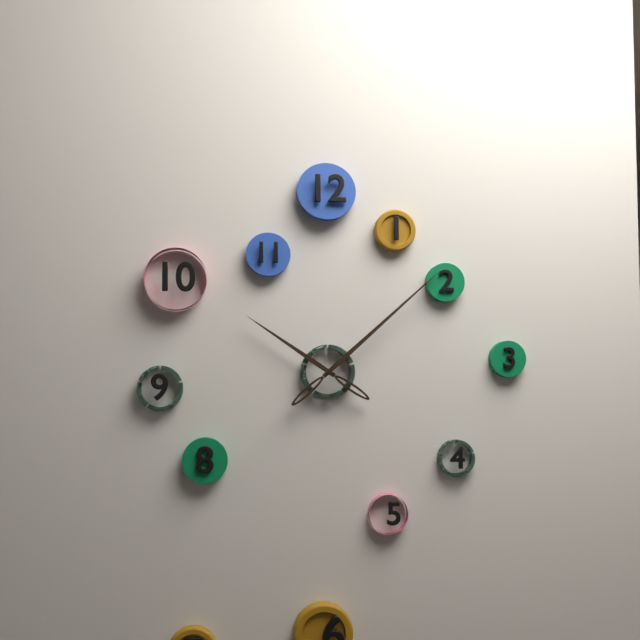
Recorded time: **10:08**
